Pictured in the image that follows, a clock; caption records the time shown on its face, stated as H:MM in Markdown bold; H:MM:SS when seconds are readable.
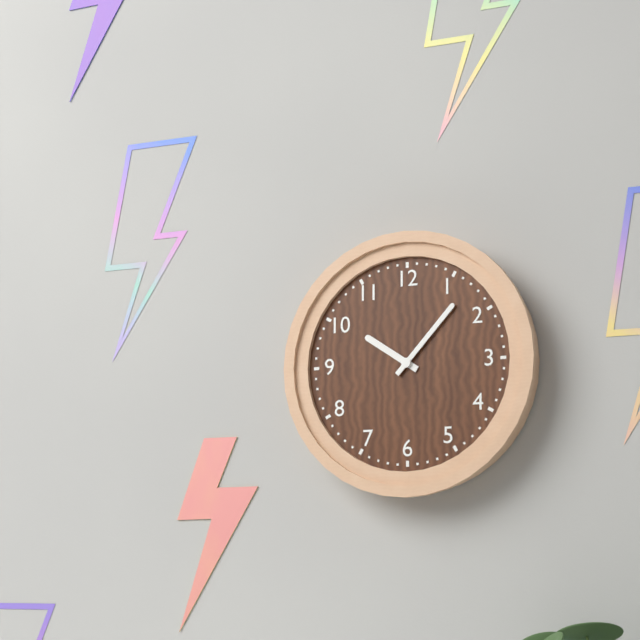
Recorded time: **10:07**
